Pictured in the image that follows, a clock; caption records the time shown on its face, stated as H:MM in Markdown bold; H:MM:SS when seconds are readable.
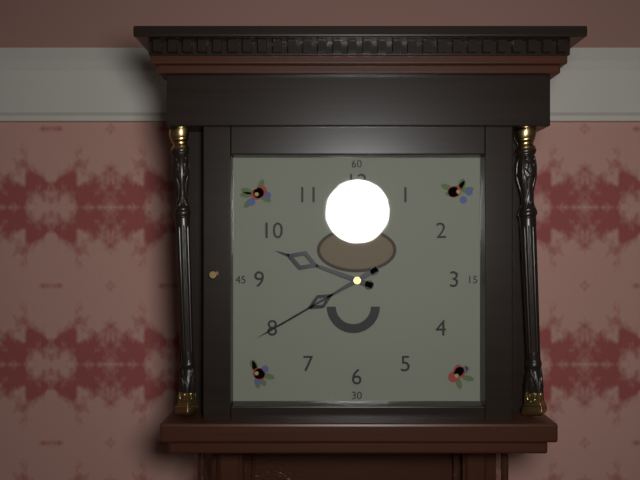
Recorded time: **9:40**
